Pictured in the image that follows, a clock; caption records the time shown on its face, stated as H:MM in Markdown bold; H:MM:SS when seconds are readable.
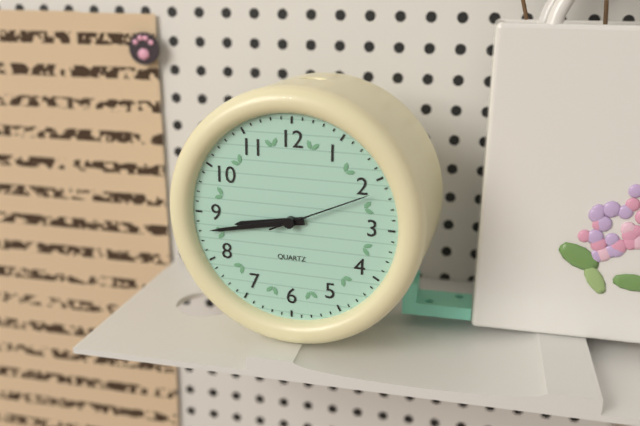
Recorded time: **8:43:11**
